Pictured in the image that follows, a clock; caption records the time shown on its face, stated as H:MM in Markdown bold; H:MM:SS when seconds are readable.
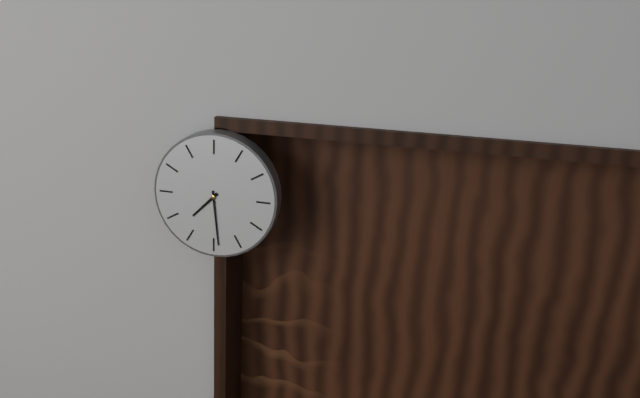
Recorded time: **7:29**
